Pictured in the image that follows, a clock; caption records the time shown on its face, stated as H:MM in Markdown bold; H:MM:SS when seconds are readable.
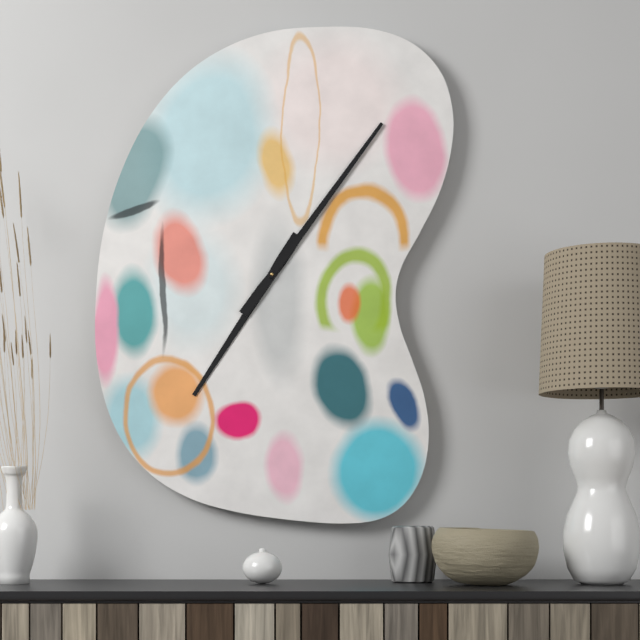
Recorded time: **7:06**
